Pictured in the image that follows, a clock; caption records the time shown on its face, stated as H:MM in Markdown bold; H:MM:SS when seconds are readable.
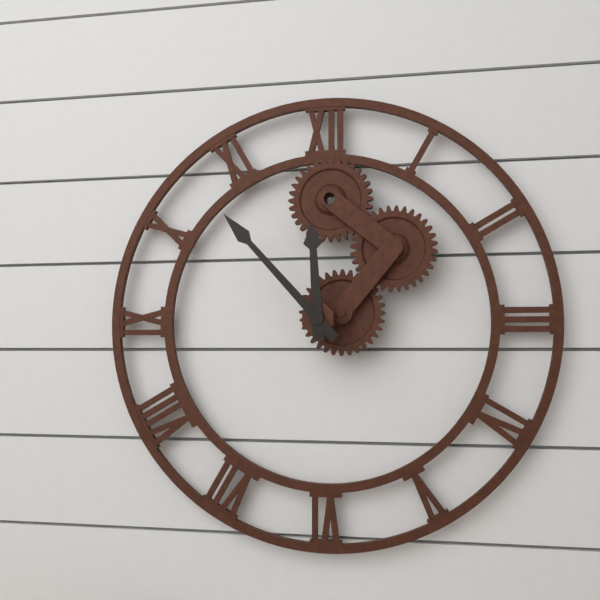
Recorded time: **11:53**
